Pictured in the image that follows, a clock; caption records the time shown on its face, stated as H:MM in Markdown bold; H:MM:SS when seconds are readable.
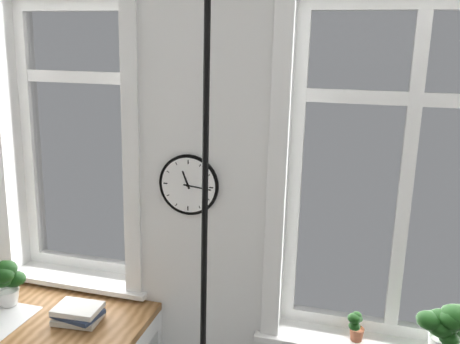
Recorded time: **11:16**
